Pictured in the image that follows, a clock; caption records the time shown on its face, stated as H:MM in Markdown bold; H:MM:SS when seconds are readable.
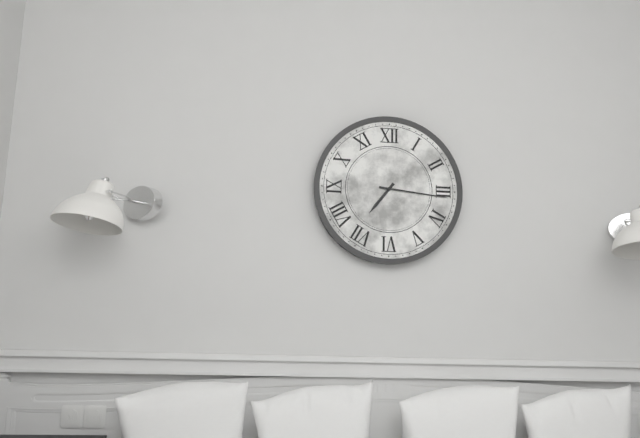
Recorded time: **7:16**
